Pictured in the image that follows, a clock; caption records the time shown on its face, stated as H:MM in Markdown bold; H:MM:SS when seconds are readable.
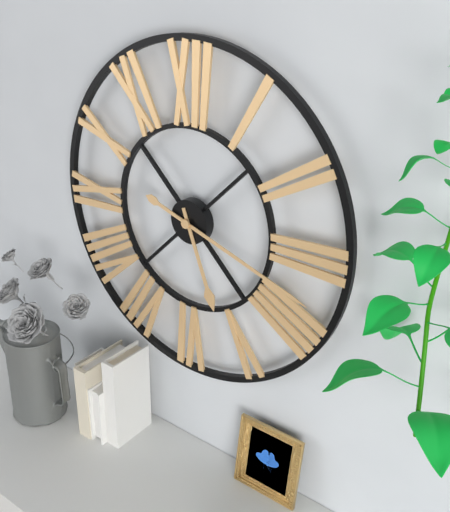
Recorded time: **5:18**
